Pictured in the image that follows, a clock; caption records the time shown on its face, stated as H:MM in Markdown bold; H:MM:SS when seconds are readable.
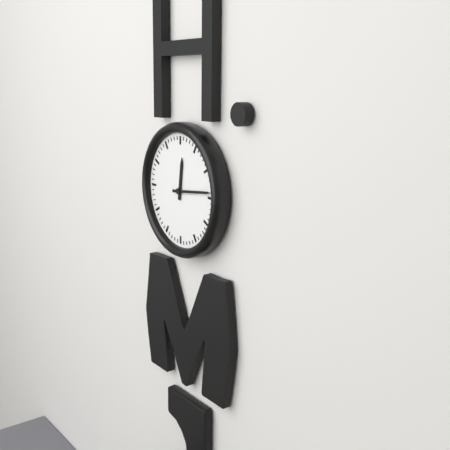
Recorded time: **12:14**
